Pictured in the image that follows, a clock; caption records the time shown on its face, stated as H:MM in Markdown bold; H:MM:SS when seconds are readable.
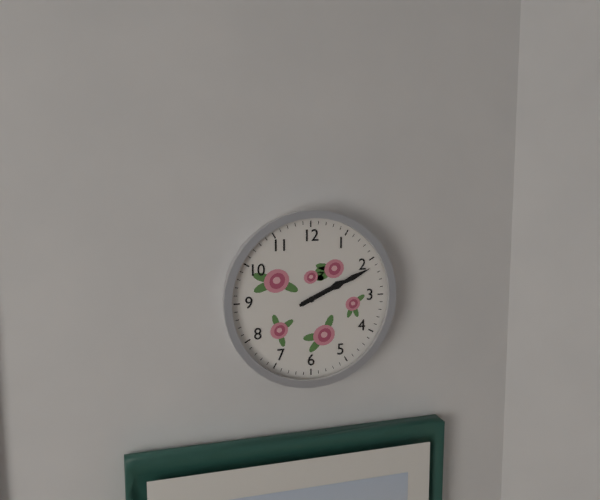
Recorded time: **2:11**
